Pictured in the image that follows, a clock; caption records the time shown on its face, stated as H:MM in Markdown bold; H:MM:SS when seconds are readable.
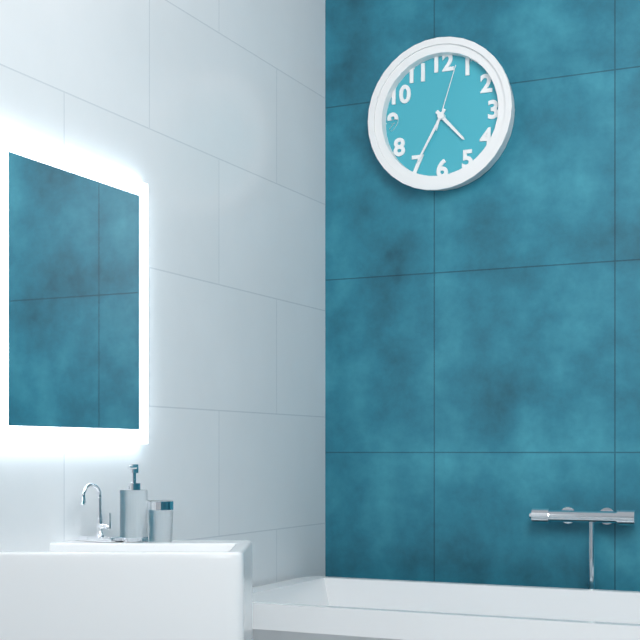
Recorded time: **4:35:03**
